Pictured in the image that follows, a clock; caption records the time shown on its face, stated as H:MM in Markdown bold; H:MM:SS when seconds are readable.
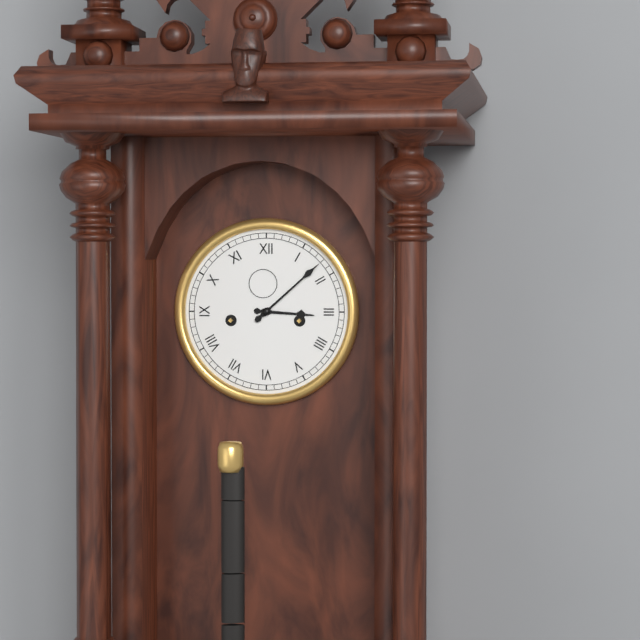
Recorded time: **3:08**
